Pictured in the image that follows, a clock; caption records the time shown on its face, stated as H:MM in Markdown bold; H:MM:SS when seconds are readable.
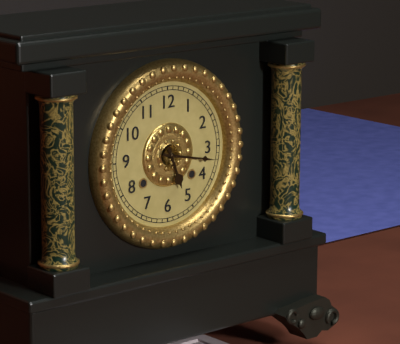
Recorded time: **5:17**
